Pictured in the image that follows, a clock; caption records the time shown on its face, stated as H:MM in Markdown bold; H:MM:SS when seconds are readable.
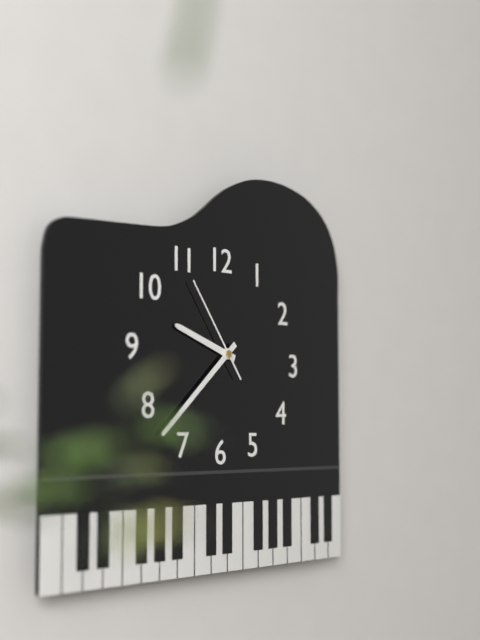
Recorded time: **9:38:54**
